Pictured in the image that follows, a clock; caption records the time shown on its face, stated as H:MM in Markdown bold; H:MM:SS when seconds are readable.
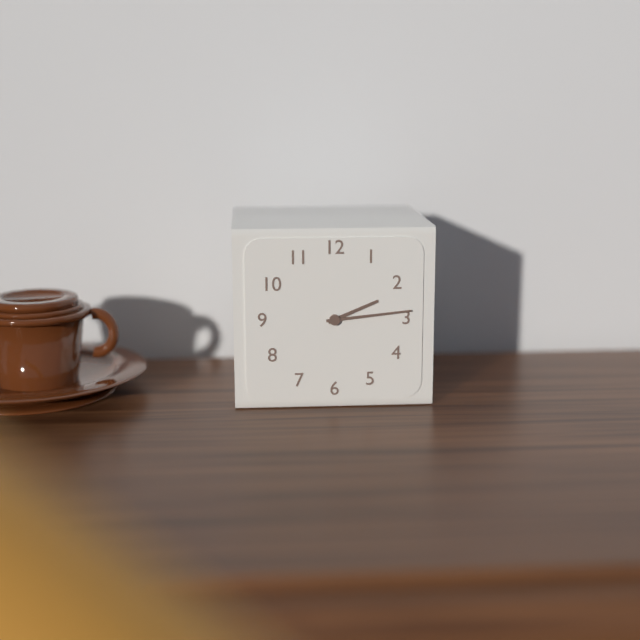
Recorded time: **2:14**
